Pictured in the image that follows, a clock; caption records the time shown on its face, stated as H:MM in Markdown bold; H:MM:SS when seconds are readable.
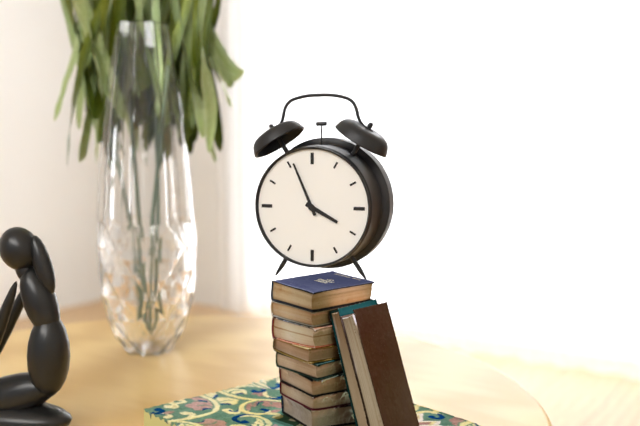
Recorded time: **3:56**
